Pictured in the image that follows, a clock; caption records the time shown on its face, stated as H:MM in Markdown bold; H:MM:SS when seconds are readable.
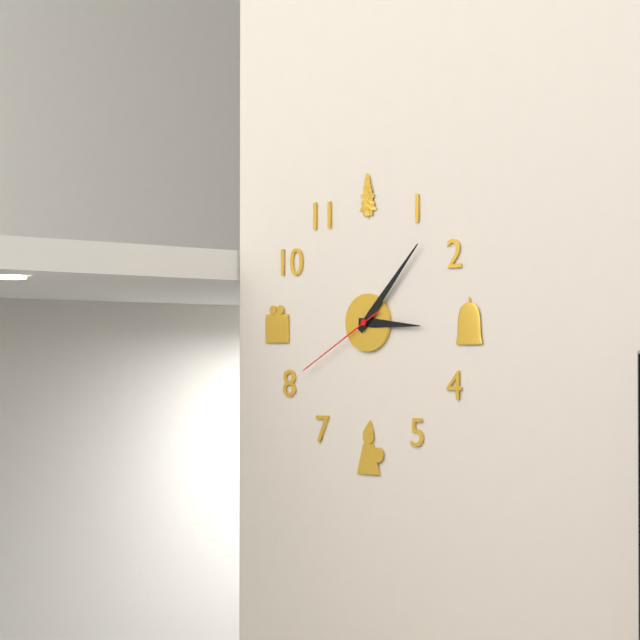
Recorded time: **3:07:40**
